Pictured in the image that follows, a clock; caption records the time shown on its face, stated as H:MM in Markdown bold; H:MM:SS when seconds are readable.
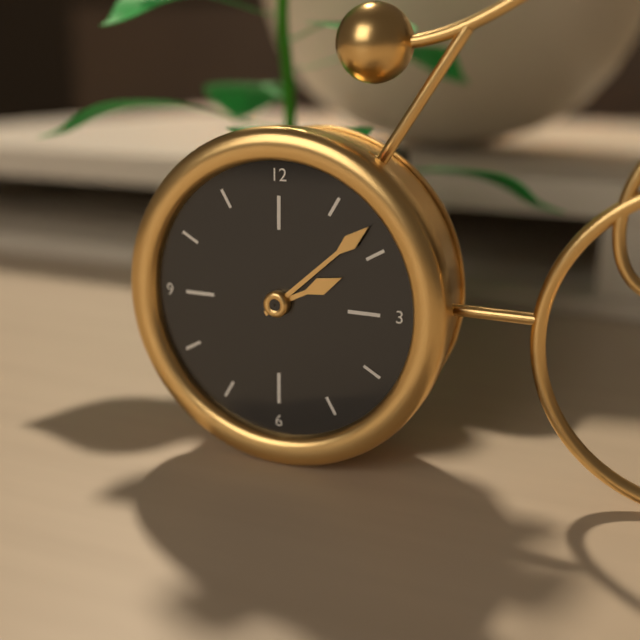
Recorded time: **2:08**
